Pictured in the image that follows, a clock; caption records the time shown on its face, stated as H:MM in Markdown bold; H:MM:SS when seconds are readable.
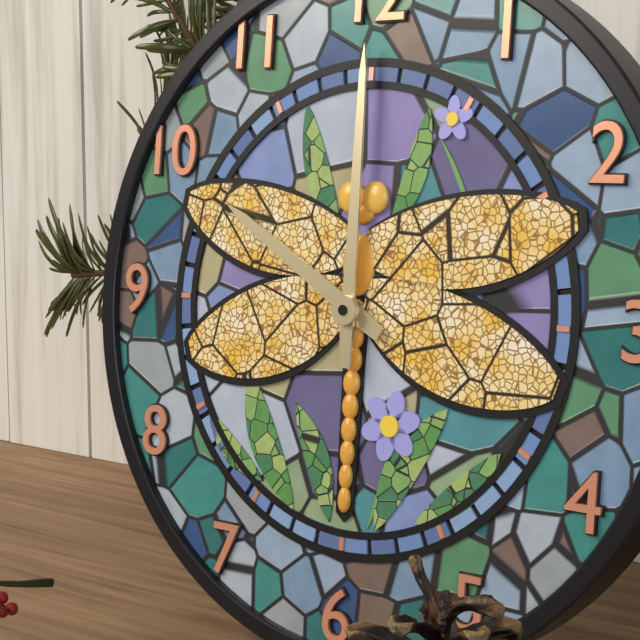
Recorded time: **10:00**
